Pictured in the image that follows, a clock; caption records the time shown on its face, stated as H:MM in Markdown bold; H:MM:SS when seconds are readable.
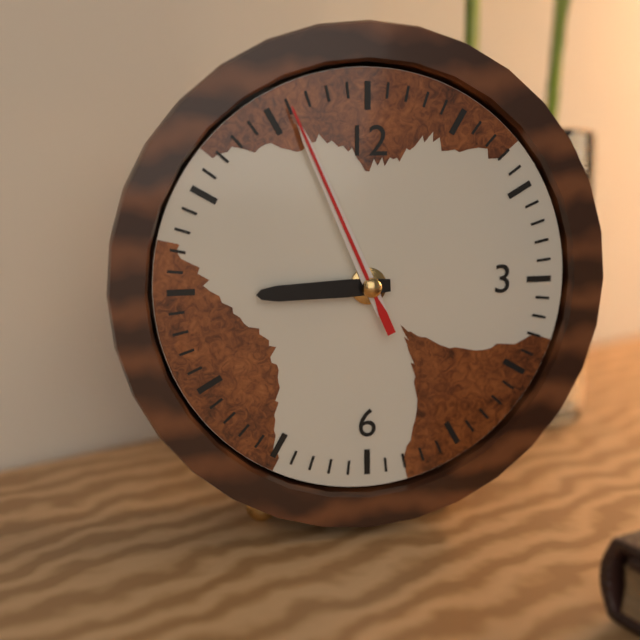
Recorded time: **8:56:56**
